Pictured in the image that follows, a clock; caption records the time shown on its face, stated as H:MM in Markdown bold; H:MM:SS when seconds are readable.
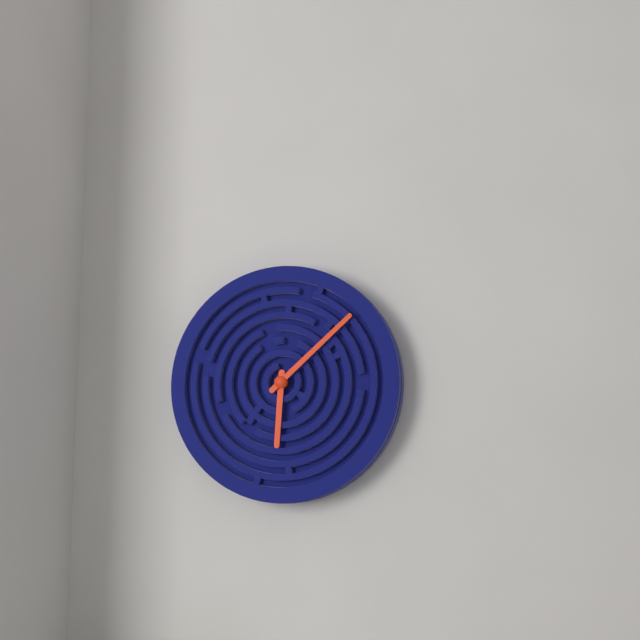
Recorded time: **6:08**
